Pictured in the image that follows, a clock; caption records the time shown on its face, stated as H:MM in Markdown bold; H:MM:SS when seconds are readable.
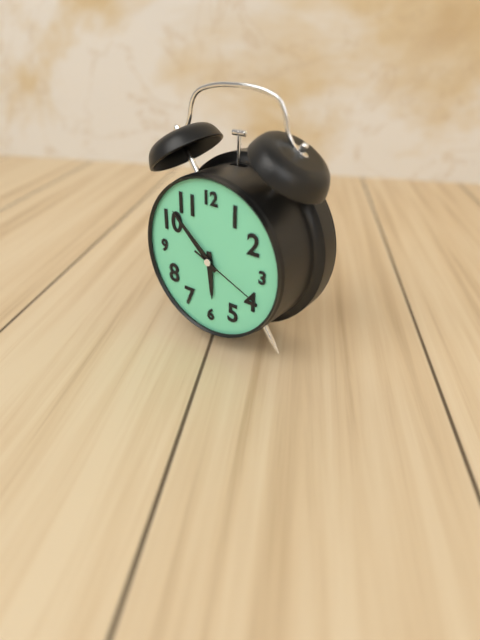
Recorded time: **5:52:19**
